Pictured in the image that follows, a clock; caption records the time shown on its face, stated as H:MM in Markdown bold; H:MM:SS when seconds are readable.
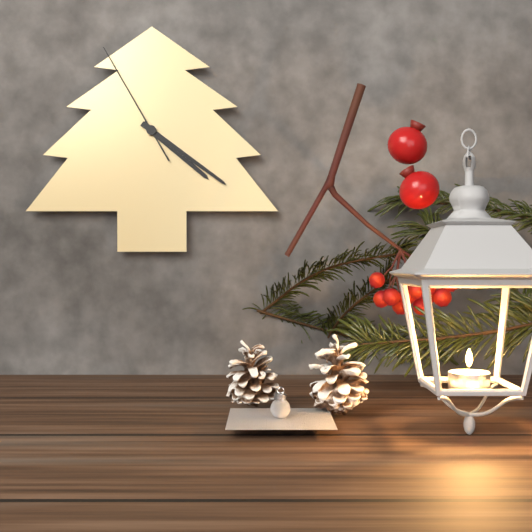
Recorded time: **4:21:55**
